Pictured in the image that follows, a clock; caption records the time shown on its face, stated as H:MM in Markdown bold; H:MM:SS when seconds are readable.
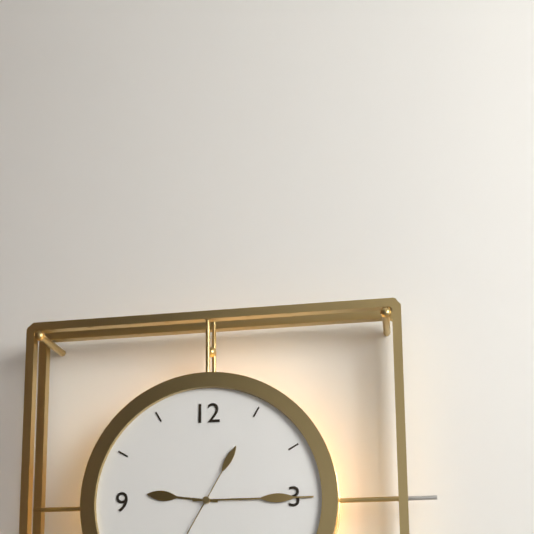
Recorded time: **9:15**
